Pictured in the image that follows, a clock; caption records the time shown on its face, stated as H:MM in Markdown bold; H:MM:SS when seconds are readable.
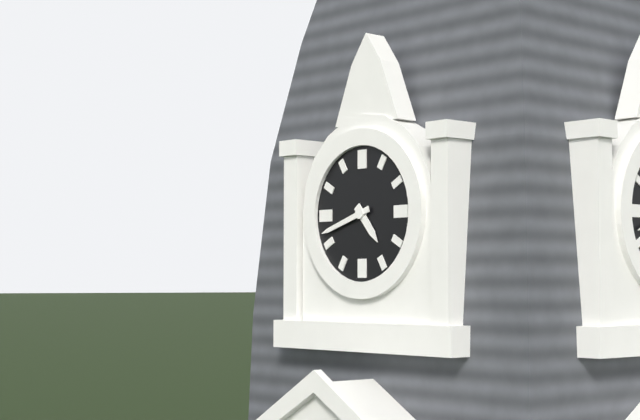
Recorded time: **4:42**
